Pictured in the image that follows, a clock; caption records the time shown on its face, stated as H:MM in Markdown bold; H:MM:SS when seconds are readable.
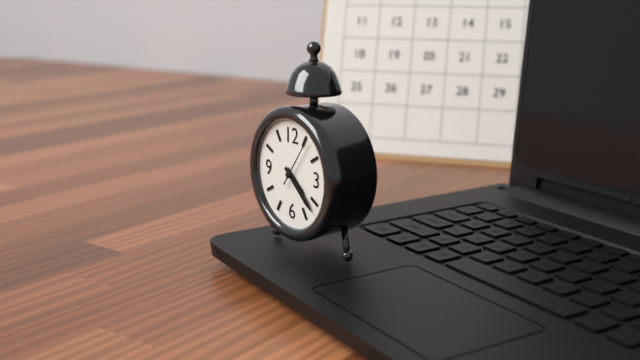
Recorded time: **4:22**
